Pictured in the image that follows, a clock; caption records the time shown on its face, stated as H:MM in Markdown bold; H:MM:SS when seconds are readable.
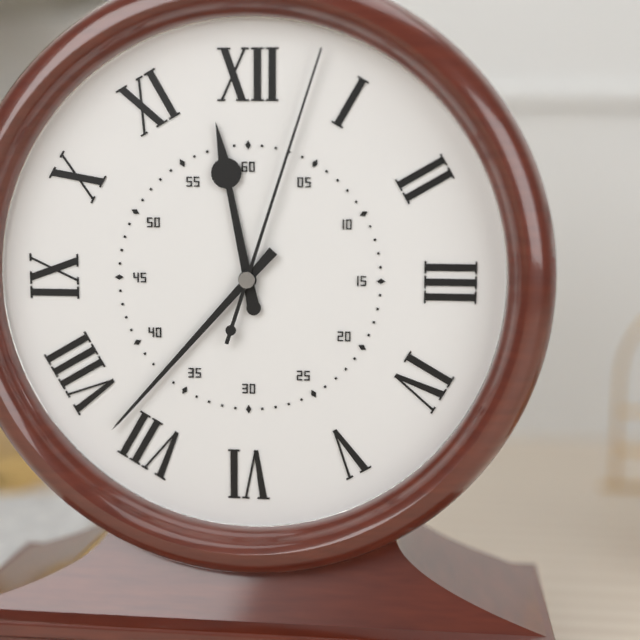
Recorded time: **11:37:03**
